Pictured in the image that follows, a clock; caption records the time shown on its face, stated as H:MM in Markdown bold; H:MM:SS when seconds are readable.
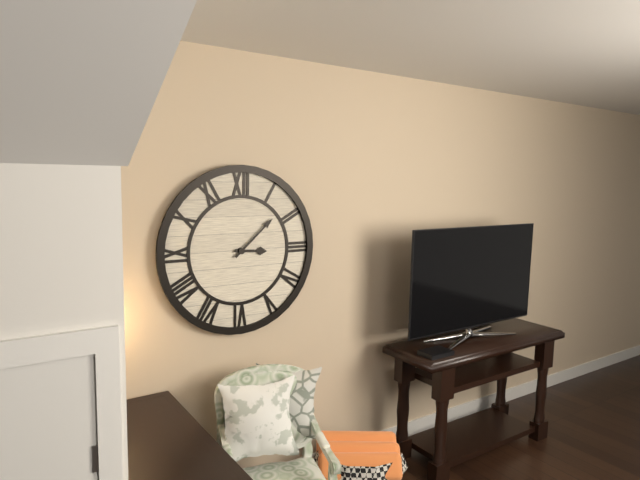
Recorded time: **3:08**
